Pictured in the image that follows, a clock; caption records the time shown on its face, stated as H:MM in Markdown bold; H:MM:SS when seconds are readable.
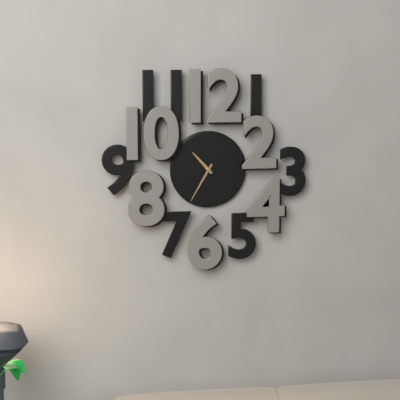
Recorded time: **10:35**
